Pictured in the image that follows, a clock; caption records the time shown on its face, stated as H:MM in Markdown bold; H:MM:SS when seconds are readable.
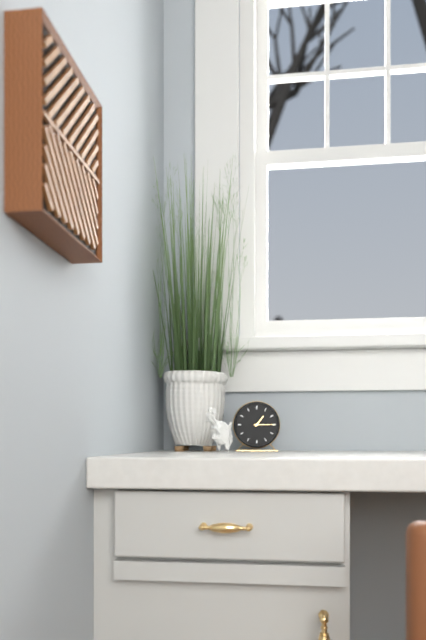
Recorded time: **1:15**
